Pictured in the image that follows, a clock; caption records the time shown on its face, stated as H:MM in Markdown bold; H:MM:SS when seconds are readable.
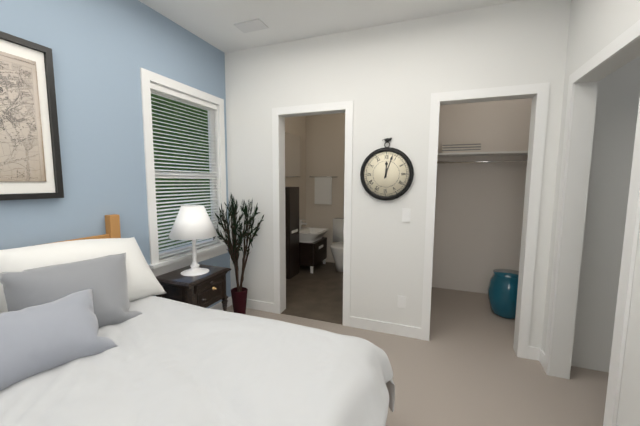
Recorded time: **12:03**
